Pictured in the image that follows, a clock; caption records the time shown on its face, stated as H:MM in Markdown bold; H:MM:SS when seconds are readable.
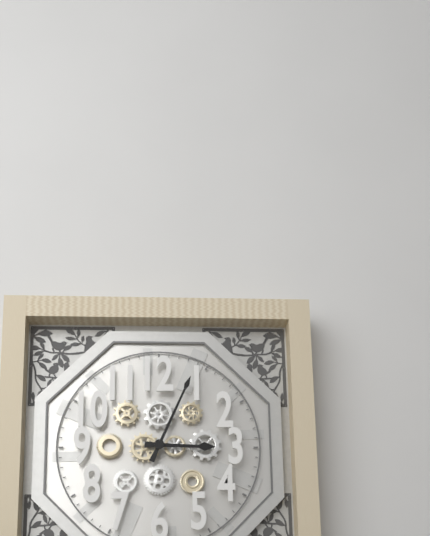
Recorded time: **3:04**
